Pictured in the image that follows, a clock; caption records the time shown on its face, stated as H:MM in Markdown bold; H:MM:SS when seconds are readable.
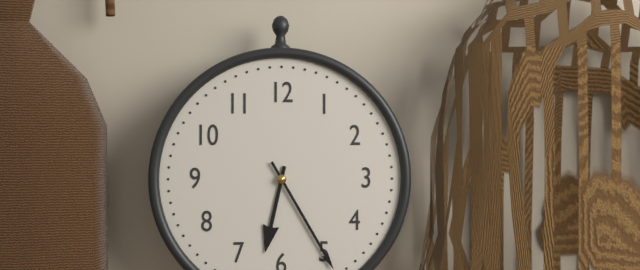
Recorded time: **6:25**
